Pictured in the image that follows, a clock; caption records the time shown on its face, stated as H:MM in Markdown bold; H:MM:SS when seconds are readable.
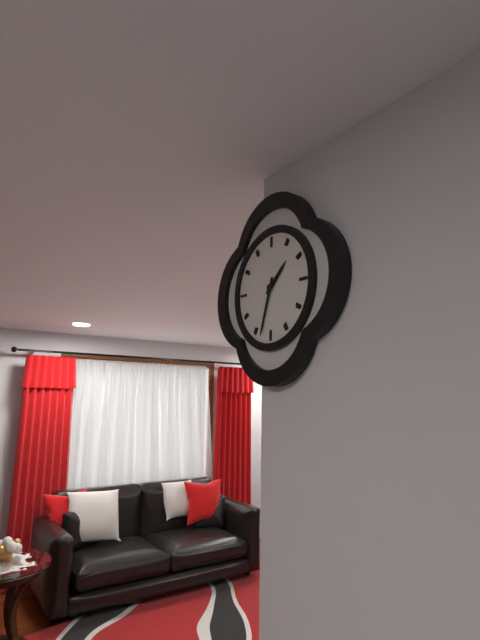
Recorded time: **1:33**
